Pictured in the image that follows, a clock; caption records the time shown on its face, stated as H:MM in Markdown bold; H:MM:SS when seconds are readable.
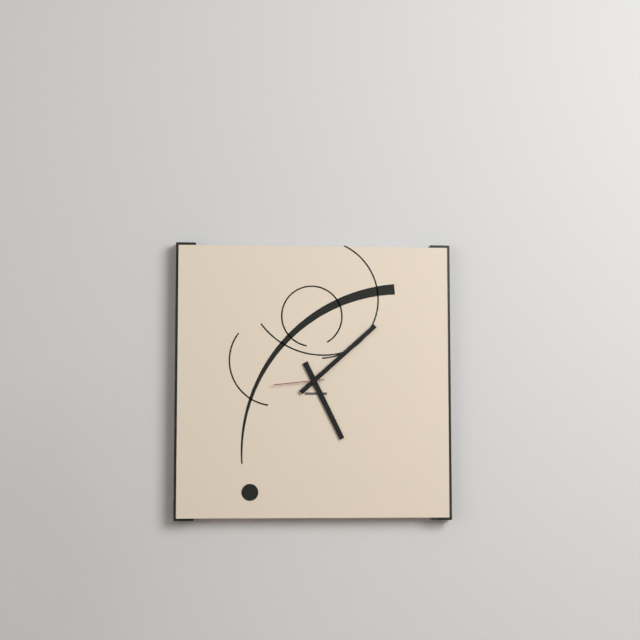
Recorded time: **5:08:44**
